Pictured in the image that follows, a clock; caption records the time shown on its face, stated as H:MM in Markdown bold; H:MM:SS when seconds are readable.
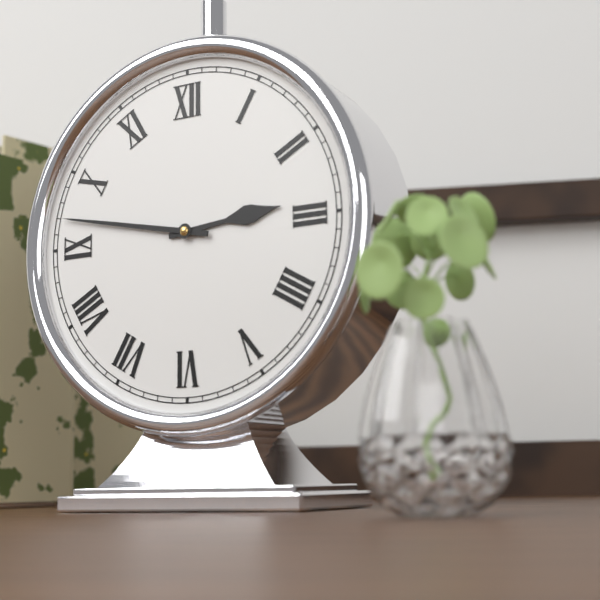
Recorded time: **2:47**
